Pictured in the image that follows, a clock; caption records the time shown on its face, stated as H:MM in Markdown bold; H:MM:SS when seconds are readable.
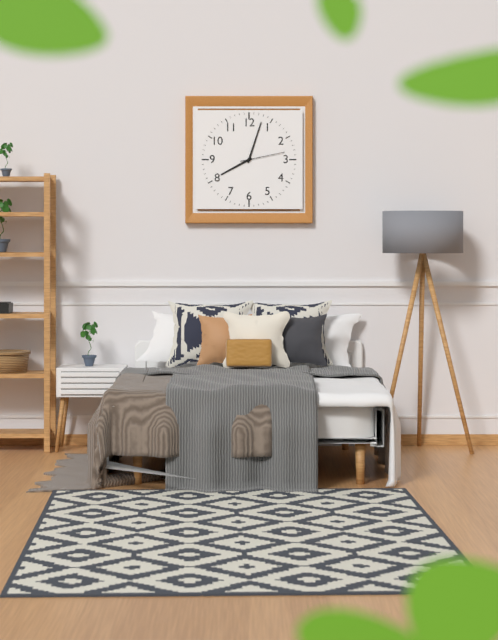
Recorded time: **8:03**
